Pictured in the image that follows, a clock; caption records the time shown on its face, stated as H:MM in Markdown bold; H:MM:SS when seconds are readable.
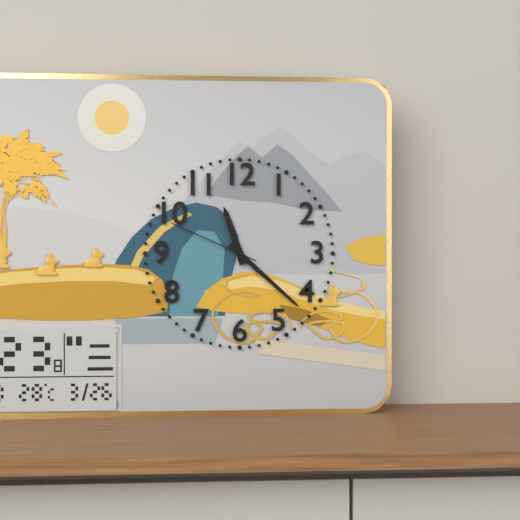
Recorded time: **11:22:49**
